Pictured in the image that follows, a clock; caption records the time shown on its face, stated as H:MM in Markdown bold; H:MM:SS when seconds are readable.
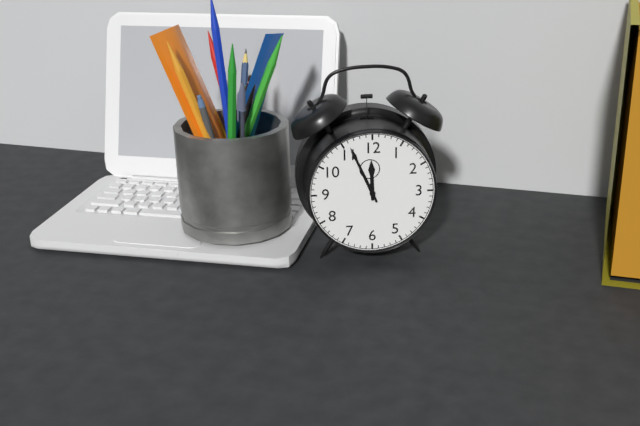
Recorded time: **11:56**
